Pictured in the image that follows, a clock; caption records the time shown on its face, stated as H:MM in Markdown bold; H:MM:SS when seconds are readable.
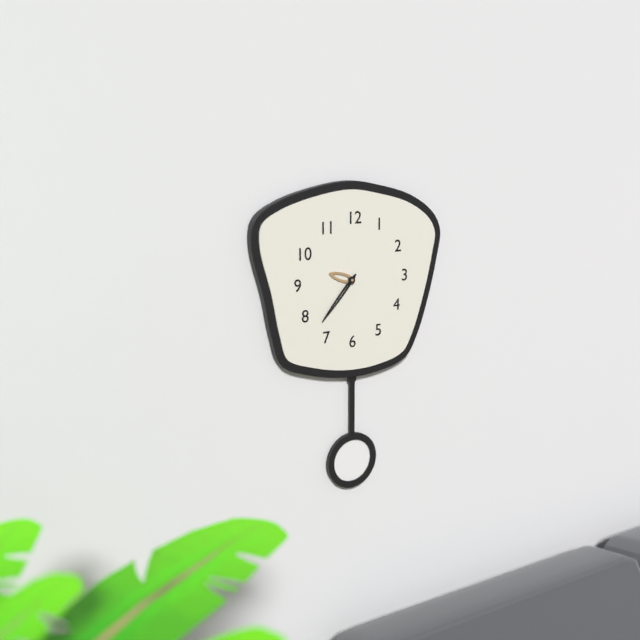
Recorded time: **9:37**
